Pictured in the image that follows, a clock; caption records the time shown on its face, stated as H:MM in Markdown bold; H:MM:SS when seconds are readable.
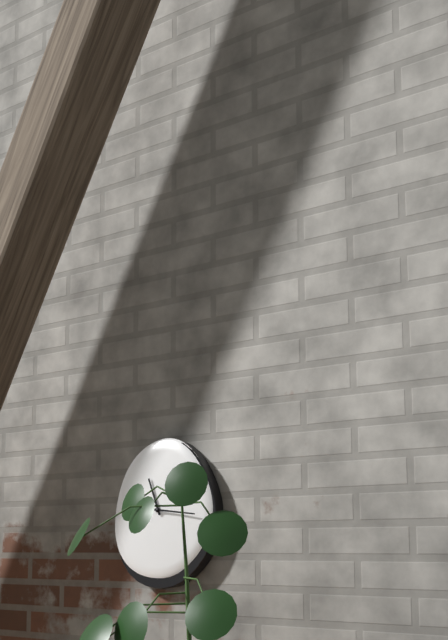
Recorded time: **11:16**
